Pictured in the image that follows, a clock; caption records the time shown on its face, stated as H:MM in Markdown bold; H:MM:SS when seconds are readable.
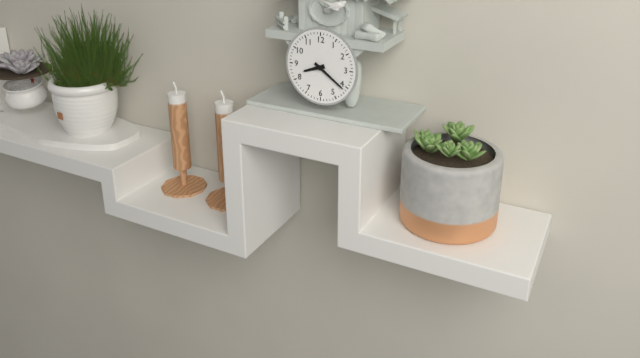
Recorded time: **8:21**
